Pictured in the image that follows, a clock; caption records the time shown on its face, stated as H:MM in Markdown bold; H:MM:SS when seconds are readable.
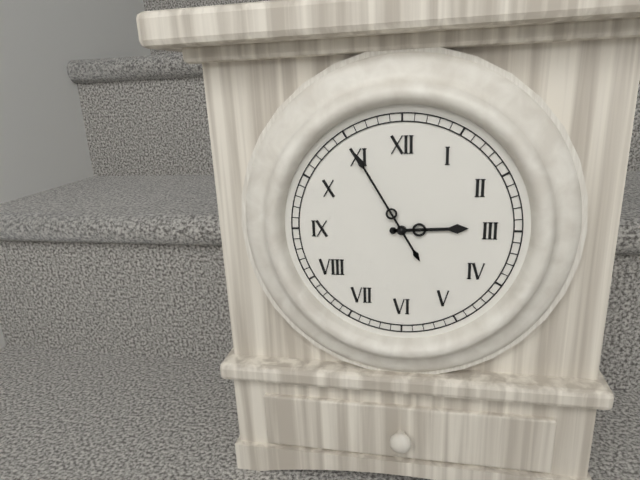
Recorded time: **2:55**
